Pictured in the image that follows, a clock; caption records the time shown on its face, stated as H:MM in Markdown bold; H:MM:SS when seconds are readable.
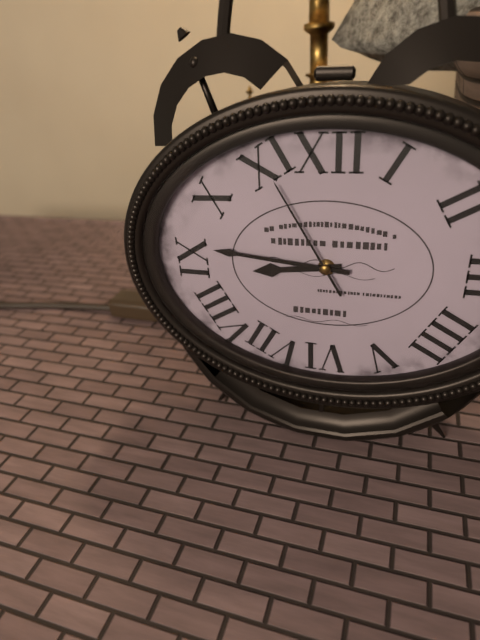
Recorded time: **8:46:55**
